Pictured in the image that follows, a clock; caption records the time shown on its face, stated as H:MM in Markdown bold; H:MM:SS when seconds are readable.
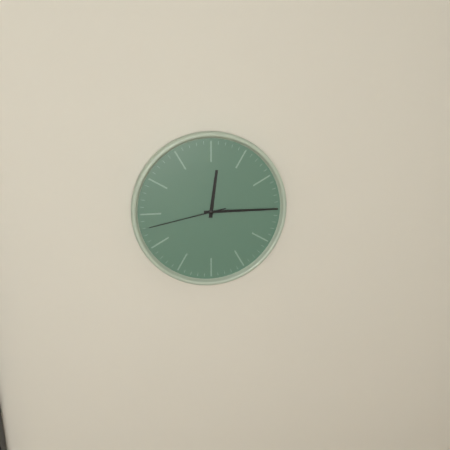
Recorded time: **12:15:43**
